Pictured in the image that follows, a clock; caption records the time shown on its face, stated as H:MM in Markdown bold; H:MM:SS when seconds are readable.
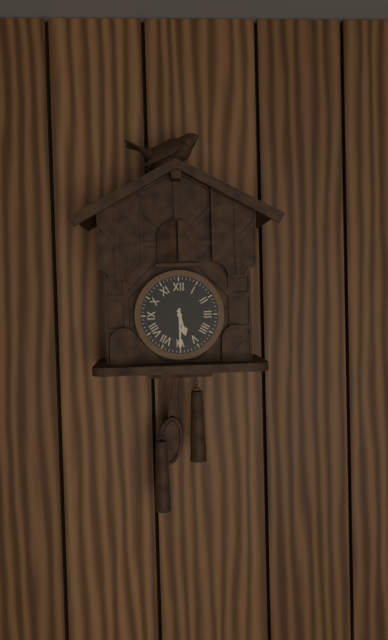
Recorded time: **5:30**
